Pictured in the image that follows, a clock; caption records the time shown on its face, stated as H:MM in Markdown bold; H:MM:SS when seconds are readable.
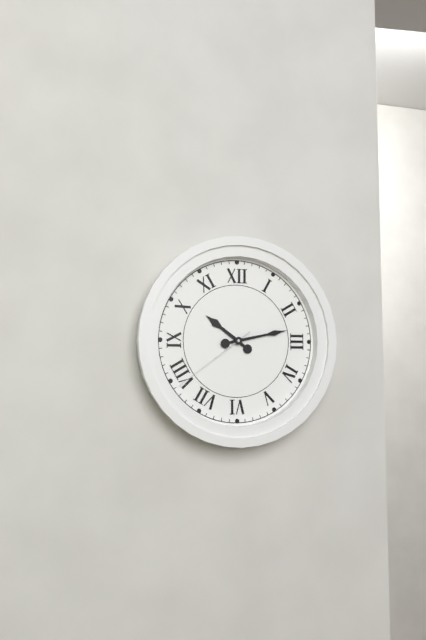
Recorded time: **10:13:39**
